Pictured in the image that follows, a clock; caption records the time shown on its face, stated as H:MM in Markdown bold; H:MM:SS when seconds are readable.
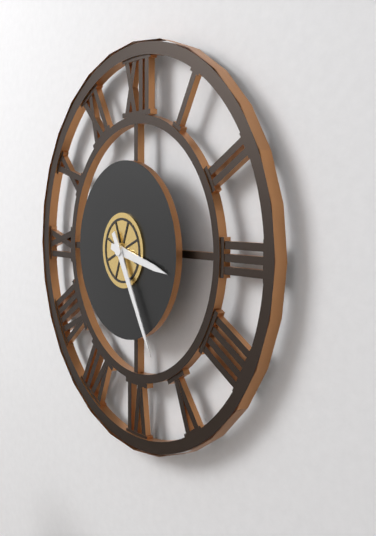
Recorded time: **3:25**
